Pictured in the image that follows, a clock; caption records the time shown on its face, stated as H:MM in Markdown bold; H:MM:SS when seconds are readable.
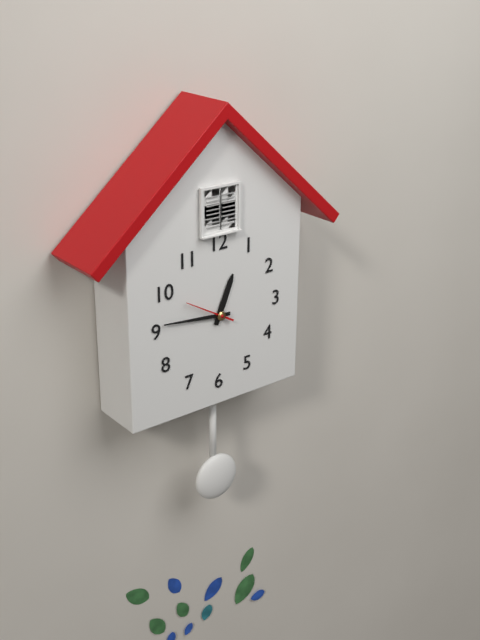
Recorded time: **12:46**
